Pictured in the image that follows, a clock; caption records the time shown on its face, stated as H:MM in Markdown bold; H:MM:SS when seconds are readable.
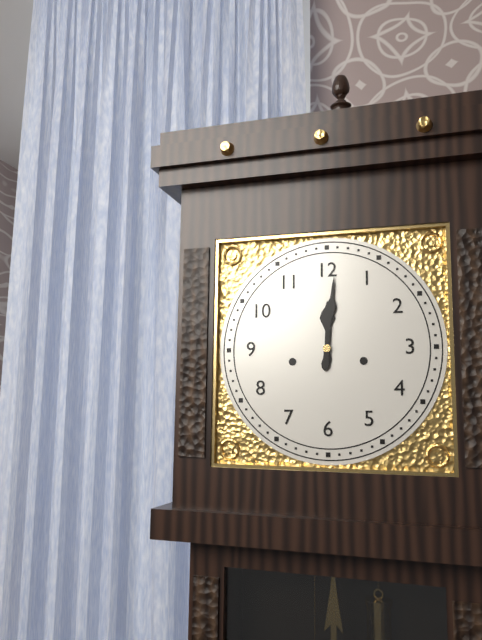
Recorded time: **12:01**
